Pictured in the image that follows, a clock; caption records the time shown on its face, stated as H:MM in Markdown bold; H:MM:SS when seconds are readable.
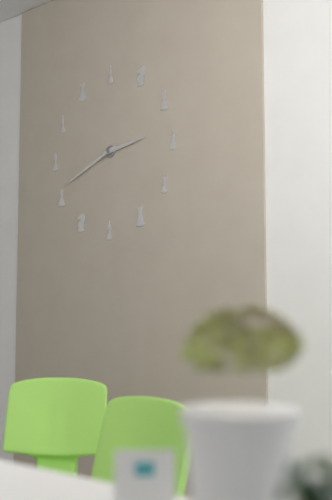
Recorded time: **2:41**
